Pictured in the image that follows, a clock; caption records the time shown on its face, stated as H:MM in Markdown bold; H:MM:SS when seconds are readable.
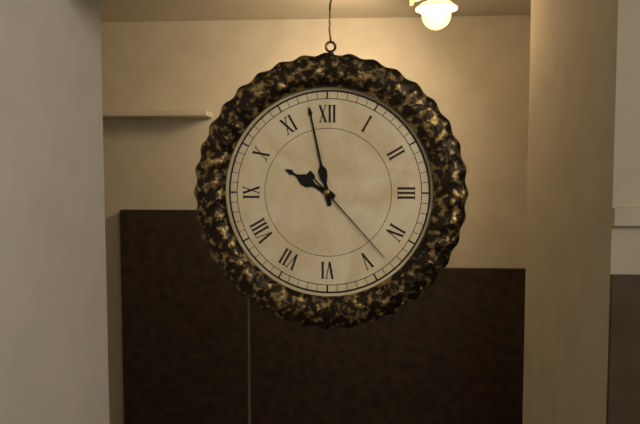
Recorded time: **9:58:23**
